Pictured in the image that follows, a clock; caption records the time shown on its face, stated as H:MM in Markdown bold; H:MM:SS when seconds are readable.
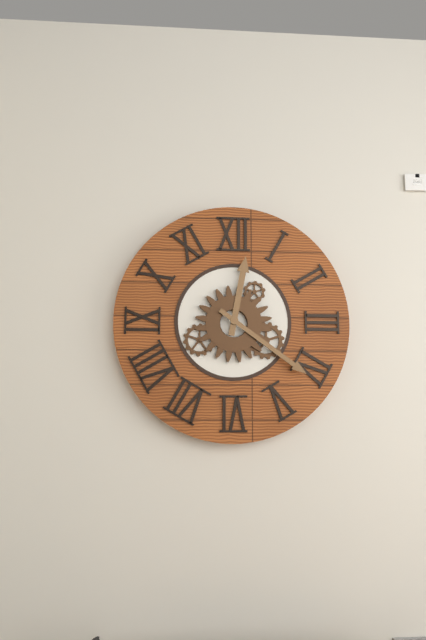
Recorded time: **12:21**
